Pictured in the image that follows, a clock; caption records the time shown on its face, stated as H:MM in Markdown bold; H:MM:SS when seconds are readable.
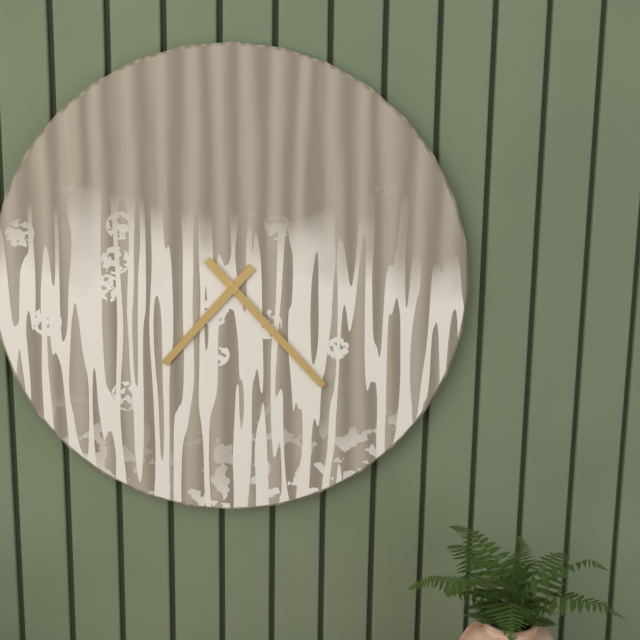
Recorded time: **7:23**
